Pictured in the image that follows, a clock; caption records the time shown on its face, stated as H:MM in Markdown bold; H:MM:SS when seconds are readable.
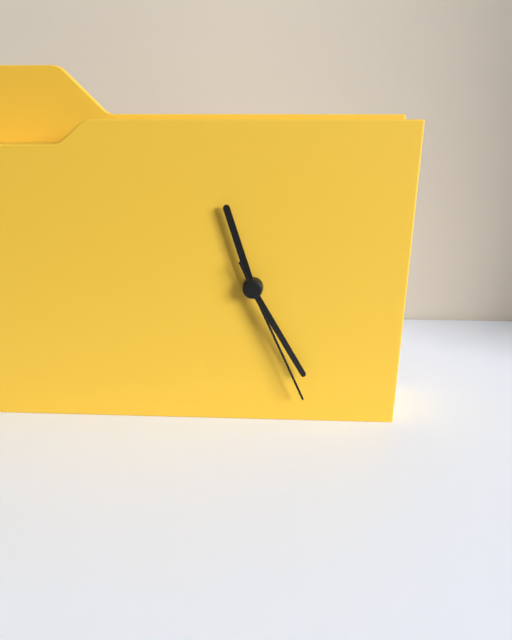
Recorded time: **11:25:26**
